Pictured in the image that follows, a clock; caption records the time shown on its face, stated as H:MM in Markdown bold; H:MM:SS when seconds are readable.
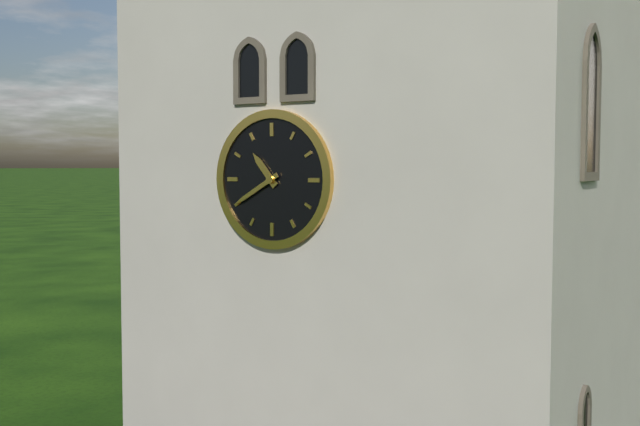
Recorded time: **10:40**
